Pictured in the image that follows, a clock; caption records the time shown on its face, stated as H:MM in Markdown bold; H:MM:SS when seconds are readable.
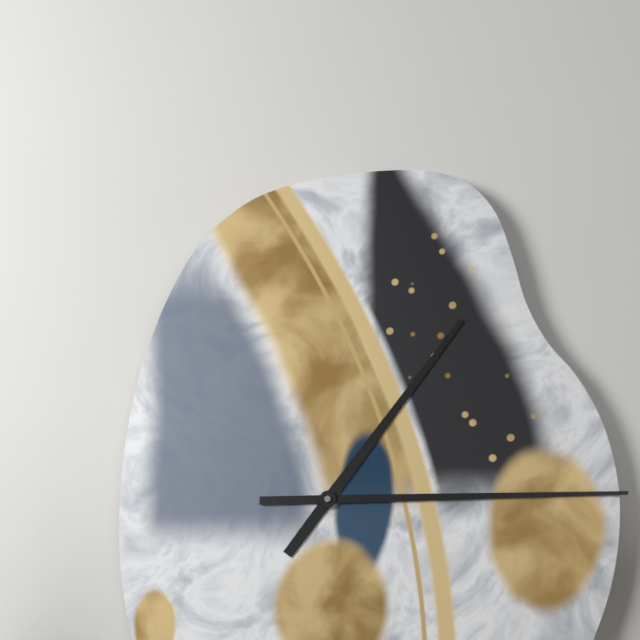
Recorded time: **1:15**
